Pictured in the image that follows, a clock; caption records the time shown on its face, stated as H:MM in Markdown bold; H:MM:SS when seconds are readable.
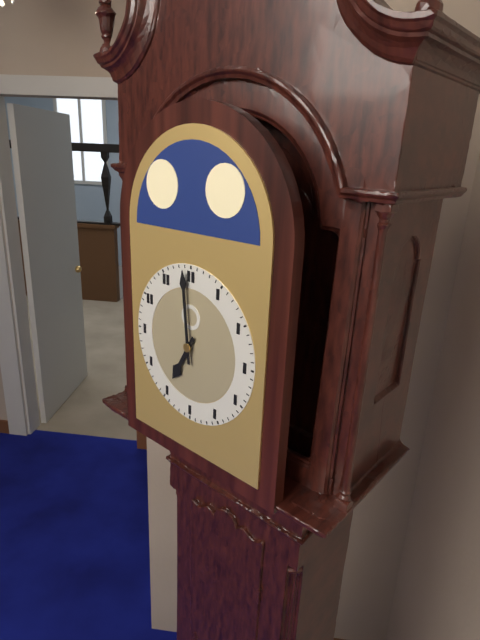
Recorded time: **6:59**
